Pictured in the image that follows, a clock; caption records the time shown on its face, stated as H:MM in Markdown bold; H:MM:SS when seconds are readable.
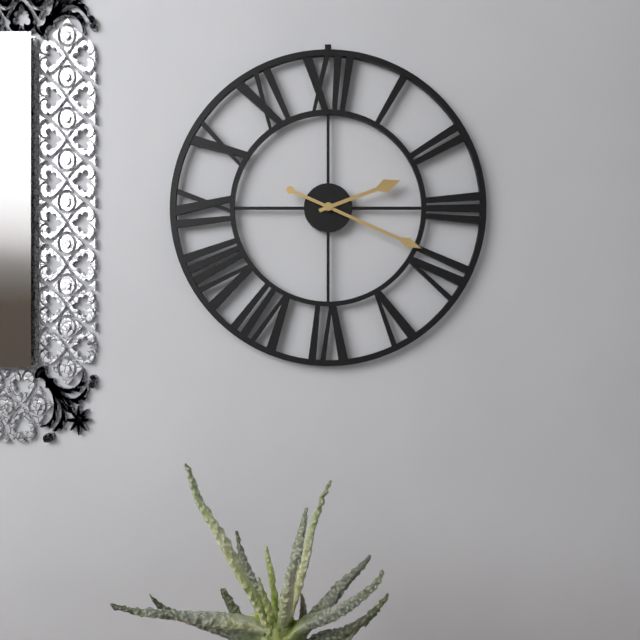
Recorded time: **2:19**
